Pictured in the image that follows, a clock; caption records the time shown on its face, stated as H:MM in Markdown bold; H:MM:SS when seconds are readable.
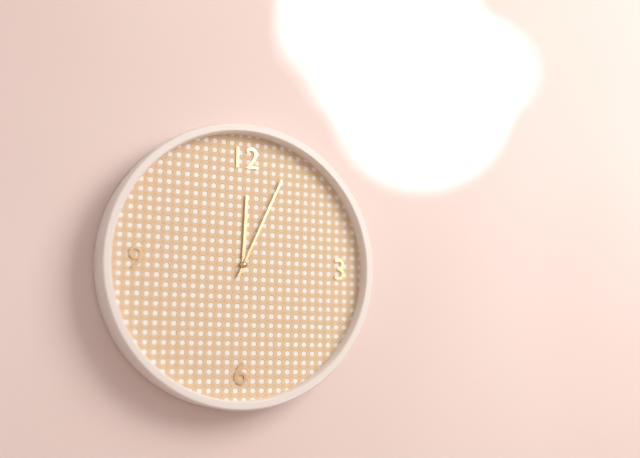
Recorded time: **12:04**
